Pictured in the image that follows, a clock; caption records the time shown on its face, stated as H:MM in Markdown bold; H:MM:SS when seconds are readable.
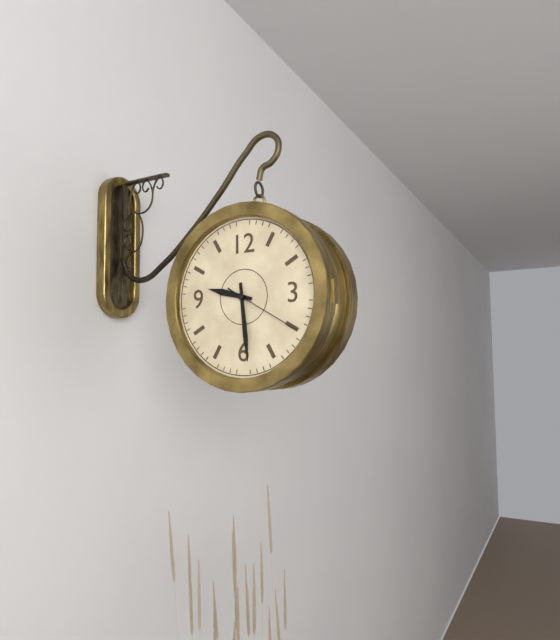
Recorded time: **9:29:20**
